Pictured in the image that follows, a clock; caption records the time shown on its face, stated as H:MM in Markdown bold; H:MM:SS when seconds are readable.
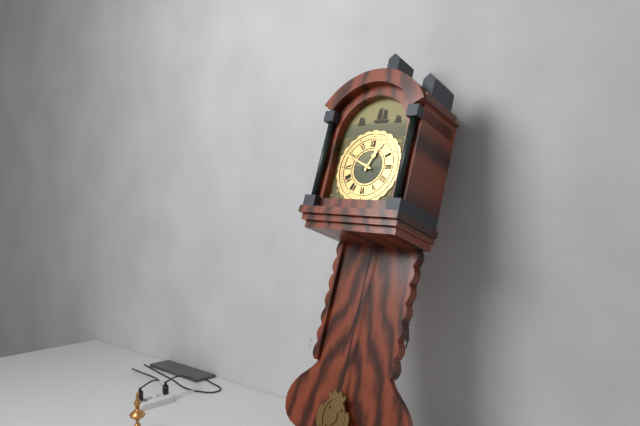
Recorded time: **12:49**
